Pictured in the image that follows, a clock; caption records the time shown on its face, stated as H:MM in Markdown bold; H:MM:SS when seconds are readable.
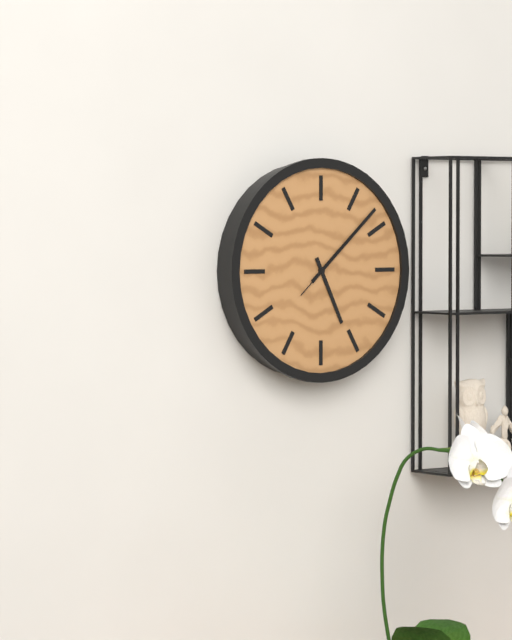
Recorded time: **5:08:08**
